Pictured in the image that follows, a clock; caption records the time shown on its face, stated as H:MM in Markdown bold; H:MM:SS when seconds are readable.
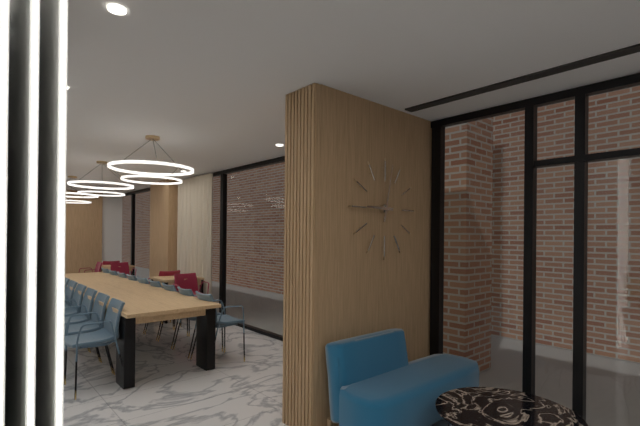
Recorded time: **9:02**
